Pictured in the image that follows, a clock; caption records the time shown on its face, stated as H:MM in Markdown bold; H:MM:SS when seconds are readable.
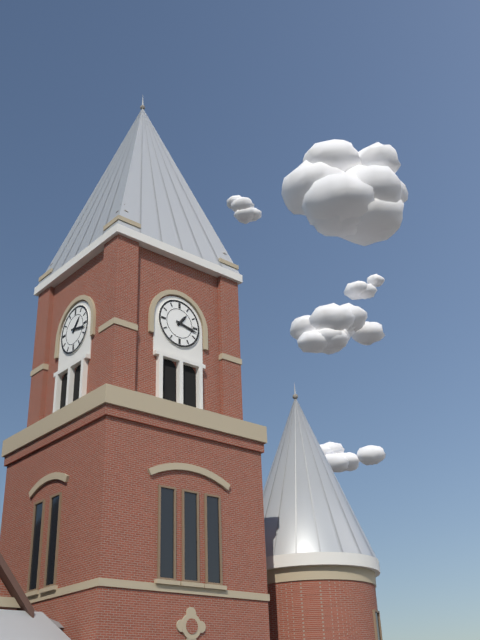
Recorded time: **1:17**
